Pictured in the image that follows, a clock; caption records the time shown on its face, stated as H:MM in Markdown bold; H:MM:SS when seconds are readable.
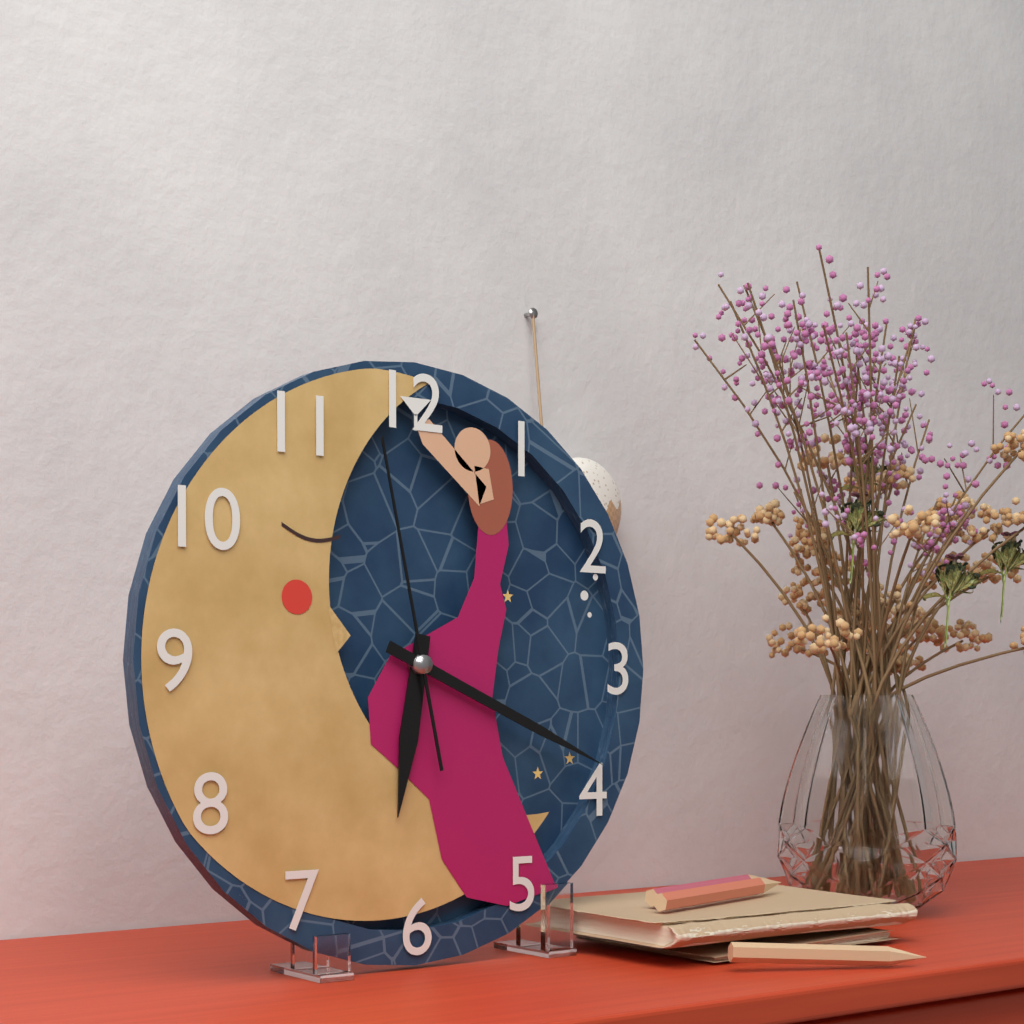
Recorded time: **6:19:58**
